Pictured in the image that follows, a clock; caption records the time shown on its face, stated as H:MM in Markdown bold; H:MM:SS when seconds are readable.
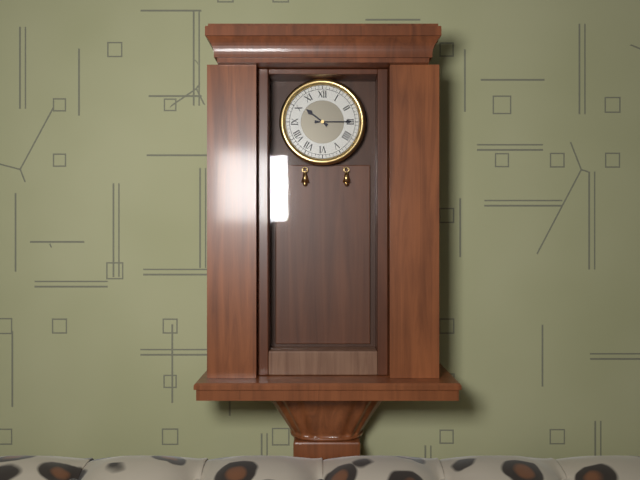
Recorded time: **10:15**
